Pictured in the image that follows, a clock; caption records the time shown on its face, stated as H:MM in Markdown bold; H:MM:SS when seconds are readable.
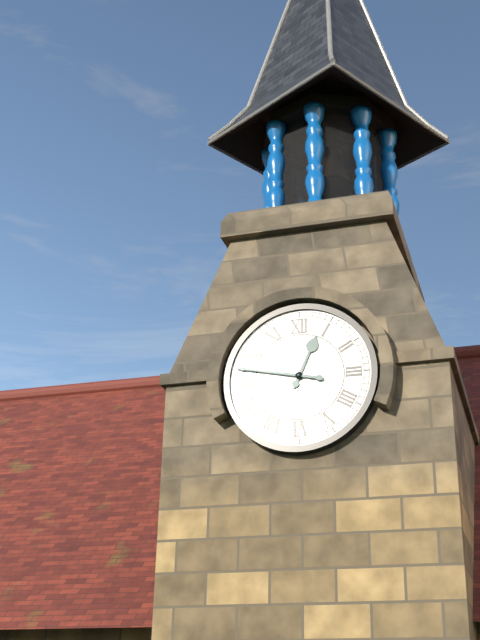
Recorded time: **12:47**
